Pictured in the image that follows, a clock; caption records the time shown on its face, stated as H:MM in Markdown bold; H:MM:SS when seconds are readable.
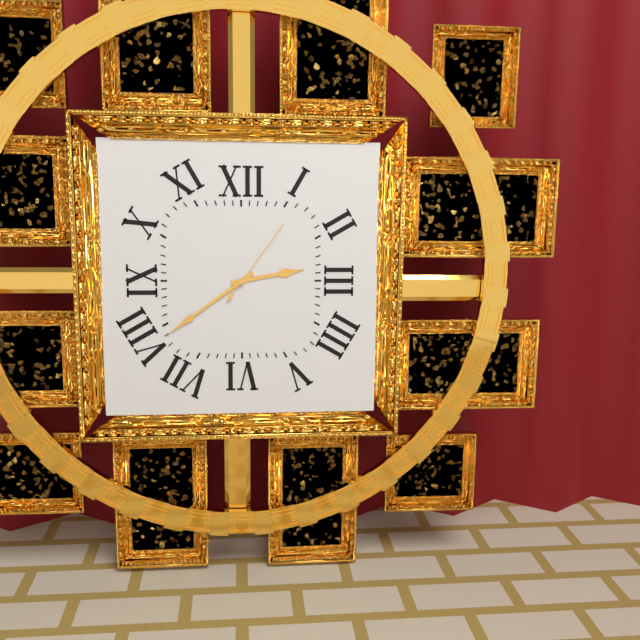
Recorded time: **2:39:06**
